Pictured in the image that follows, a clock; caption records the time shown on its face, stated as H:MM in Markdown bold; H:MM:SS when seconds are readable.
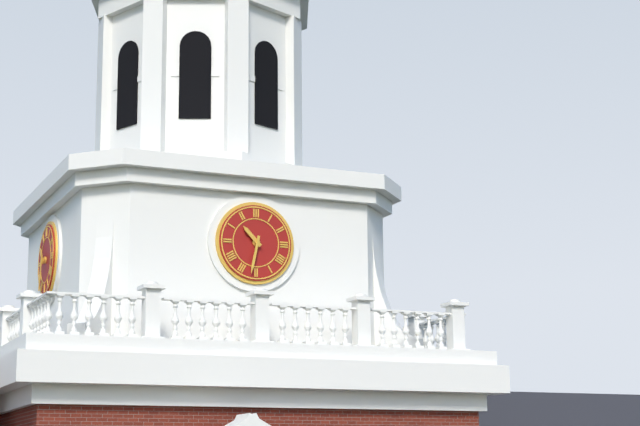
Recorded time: **10:32**
